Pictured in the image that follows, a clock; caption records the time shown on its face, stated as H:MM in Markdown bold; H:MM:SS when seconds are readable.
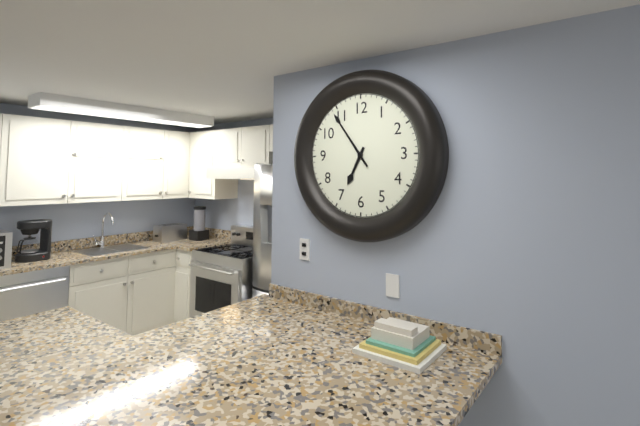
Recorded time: **6:54**
